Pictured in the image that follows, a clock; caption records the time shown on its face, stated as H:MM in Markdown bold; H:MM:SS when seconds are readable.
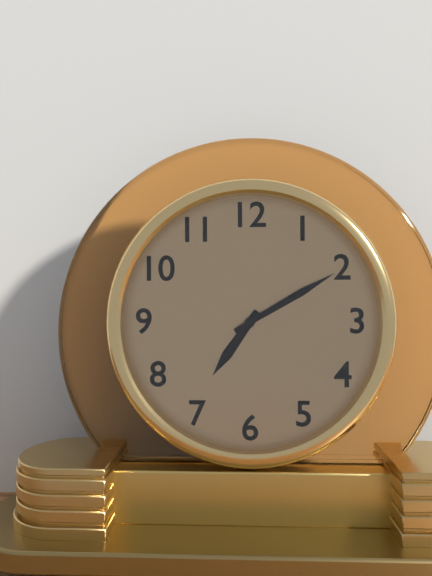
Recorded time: **7:10**
